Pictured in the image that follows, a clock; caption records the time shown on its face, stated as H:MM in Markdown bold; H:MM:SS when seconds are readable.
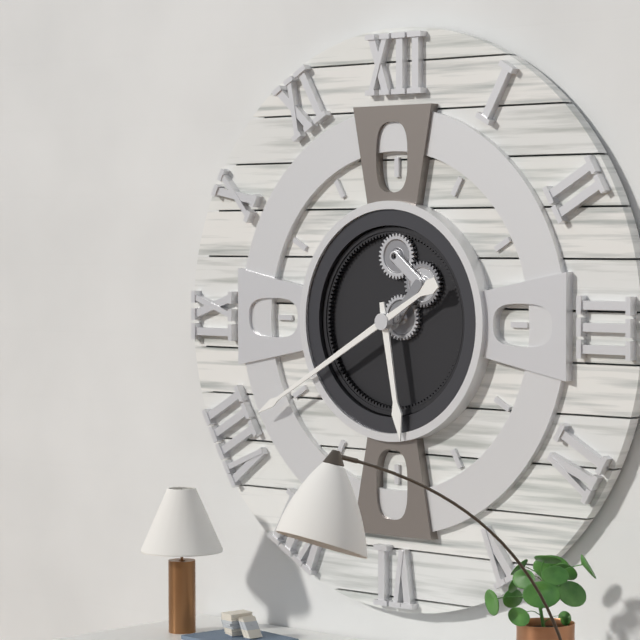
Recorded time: **5:40**
